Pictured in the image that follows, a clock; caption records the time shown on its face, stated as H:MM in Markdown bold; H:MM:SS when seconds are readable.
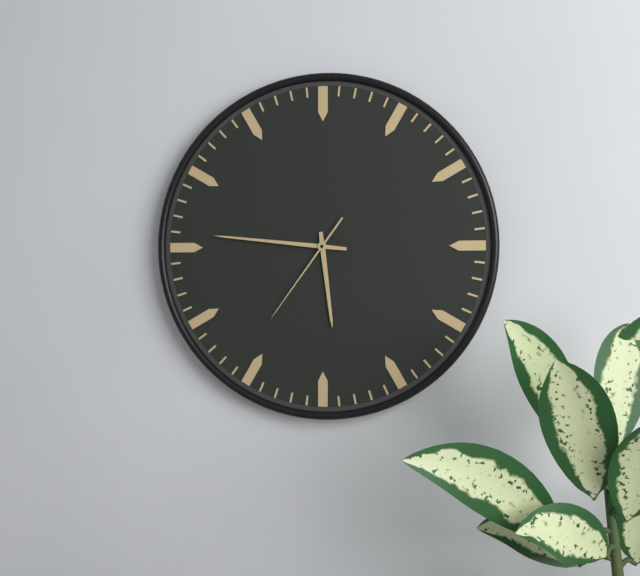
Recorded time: **5:46:36**
